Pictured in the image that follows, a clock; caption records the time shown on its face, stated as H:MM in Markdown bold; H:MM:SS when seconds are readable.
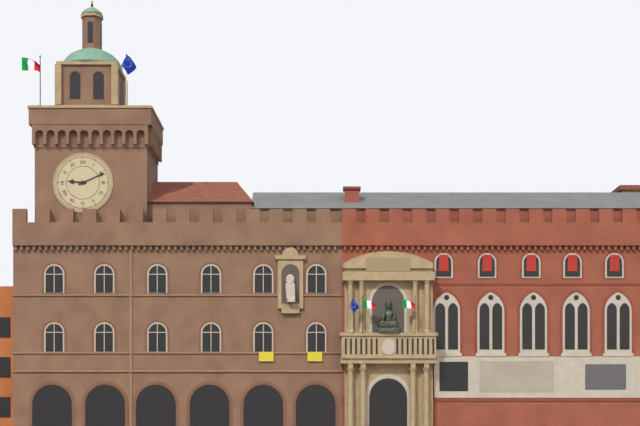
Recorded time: **9:11**
